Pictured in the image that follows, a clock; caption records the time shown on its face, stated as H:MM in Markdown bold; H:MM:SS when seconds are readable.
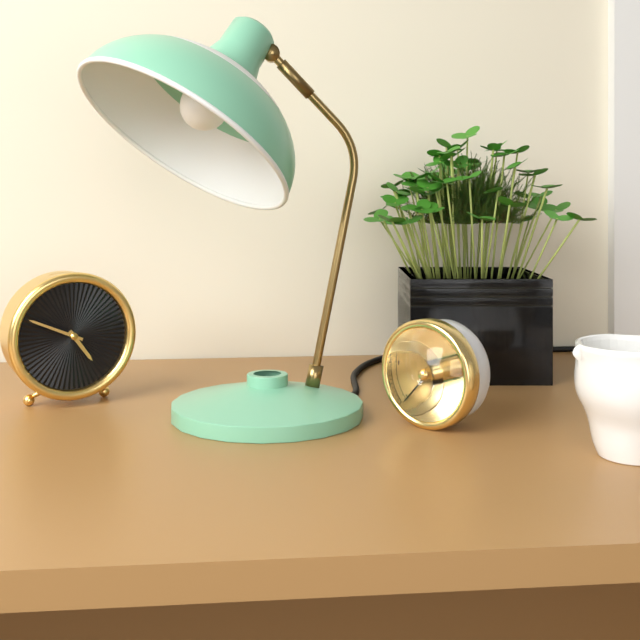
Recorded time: **4:49**
